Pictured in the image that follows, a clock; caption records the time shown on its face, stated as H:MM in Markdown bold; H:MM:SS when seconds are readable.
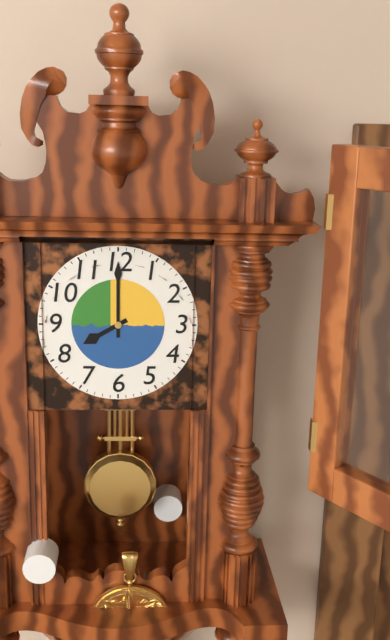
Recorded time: **8:00**
